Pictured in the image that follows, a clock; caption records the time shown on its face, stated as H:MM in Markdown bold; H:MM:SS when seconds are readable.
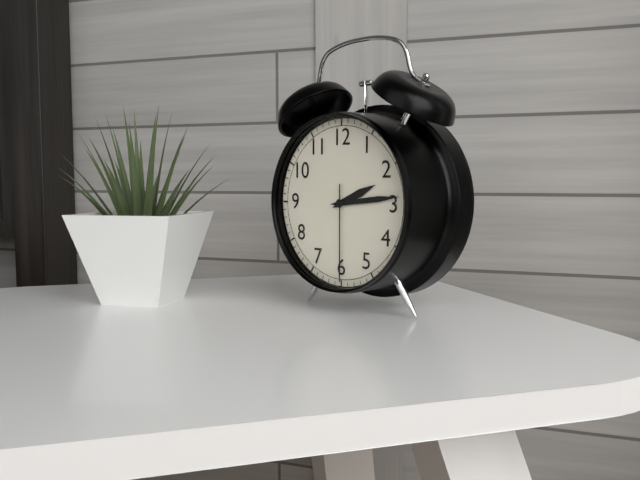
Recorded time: **2:14:30**
